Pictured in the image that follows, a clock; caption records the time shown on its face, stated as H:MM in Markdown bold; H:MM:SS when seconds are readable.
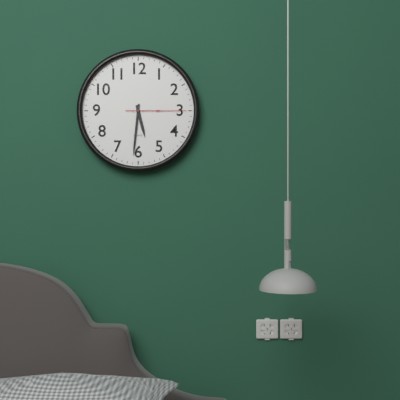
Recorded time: **5:31:15**
